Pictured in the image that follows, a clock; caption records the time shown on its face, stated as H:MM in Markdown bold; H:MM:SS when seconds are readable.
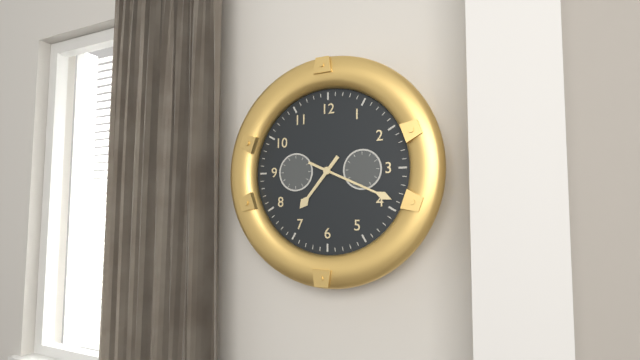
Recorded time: **7:19**
